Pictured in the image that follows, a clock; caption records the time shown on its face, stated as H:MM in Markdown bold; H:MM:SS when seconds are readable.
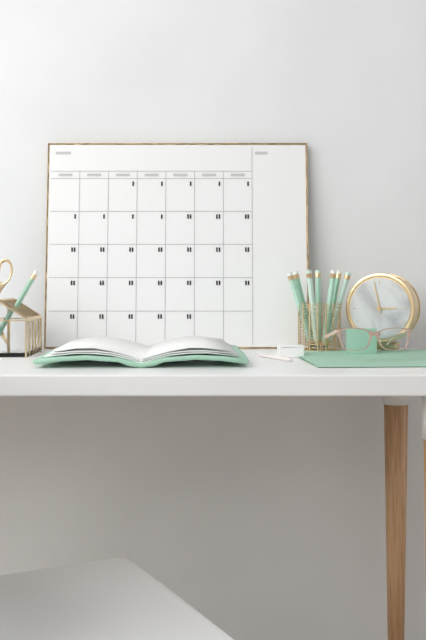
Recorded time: **2:58**
